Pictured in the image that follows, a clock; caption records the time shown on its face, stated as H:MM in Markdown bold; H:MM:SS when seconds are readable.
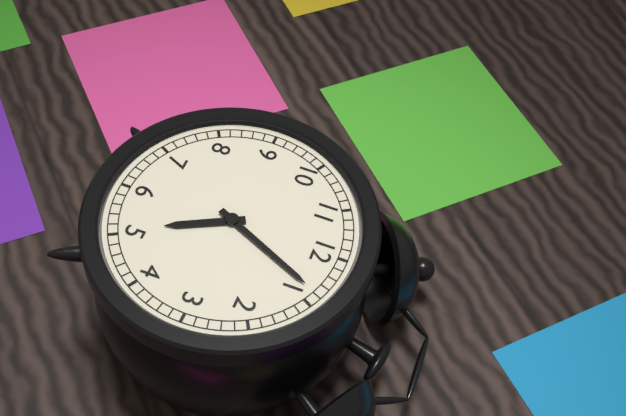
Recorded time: **5:04**
